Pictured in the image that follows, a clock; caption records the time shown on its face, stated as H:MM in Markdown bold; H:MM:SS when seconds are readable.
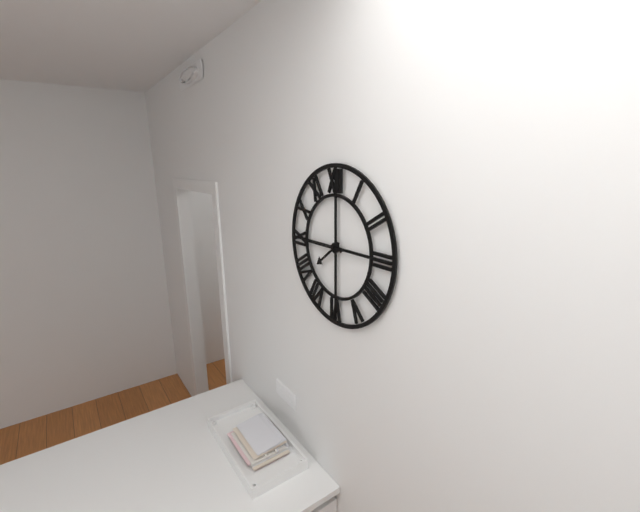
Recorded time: **7:45**
